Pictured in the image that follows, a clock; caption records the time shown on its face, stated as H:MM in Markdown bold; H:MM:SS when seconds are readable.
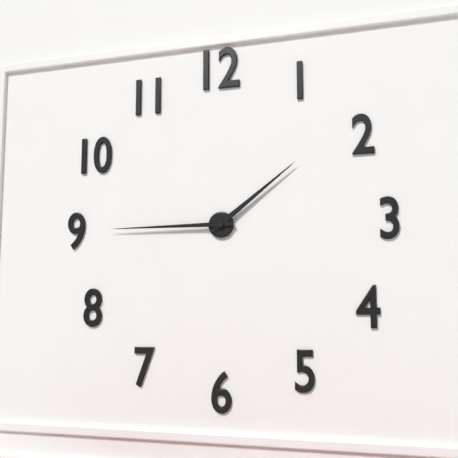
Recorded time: **1:45**
